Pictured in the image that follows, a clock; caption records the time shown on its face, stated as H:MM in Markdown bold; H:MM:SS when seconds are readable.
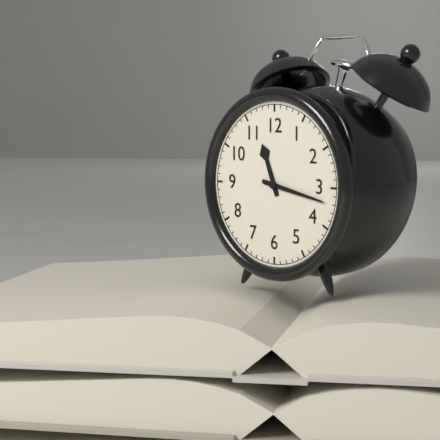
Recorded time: **11:17**
